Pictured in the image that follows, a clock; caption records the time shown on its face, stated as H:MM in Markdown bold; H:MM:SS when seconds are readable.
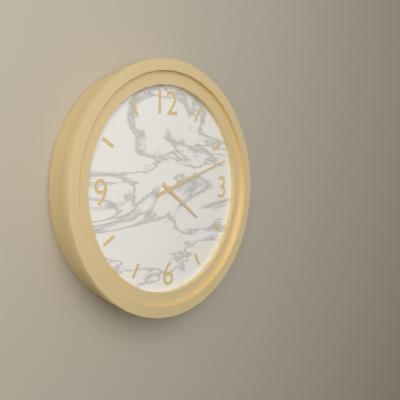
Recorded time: **4:12**
